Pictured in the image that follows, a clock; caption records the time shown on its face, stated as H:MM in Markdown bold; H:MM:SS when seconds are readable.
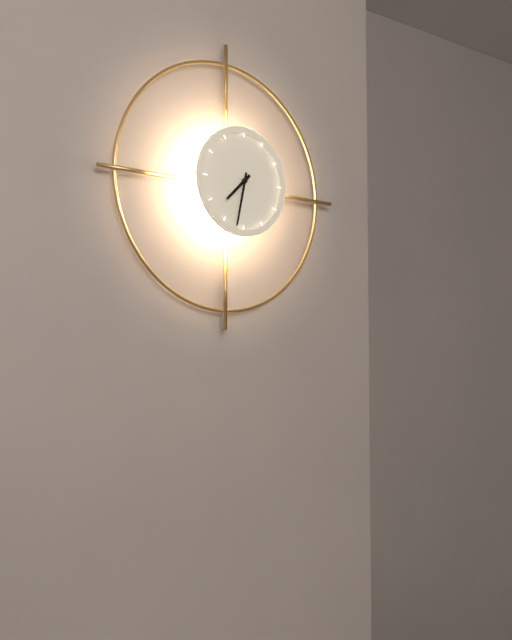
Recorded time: **7:32**
